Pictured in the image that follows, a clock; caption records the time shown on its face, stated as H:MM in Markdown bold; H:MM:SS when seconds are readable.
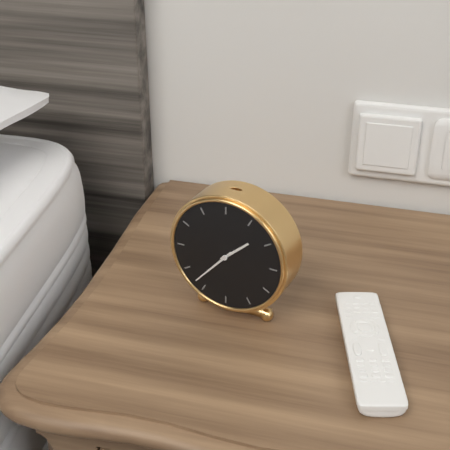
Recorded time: **1:37**
